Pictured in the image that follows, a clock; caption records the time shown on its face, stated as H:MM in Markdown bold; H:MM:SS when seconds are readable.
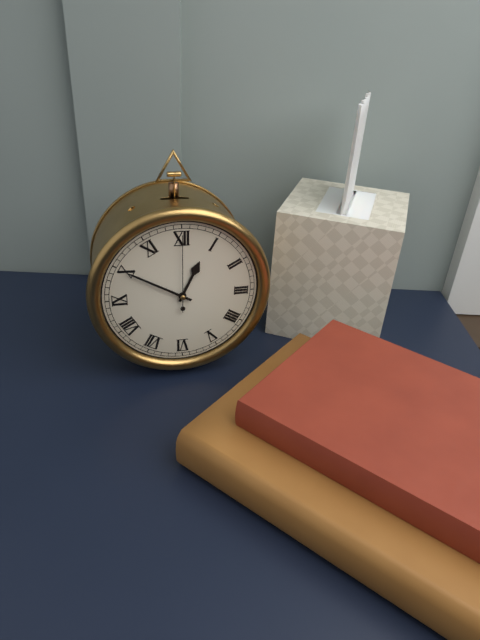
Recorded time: **12:50:00**
